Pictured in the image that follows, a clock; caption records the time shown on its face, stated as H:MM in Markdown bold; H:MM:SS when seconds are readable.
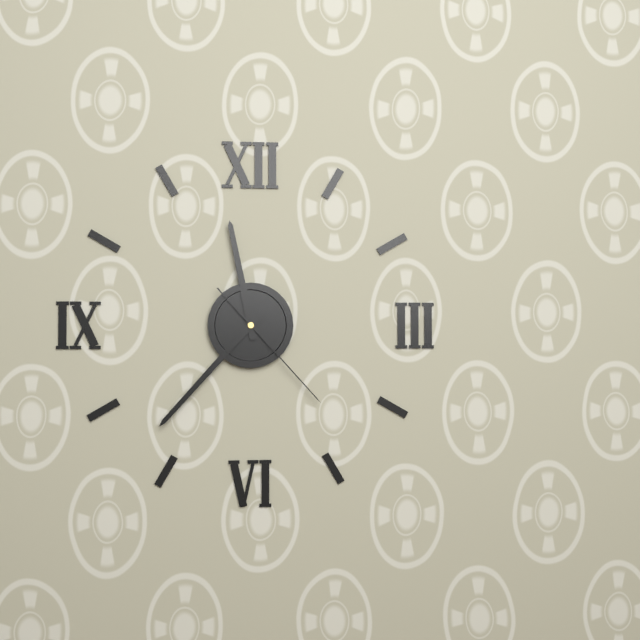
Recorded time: **11:37:23**
